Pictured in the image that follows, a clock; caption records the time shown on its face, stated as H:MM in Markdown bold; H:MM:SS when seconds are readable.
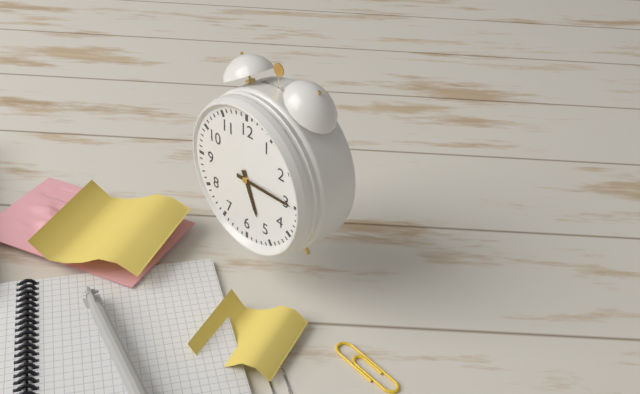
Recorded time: **5:15**
